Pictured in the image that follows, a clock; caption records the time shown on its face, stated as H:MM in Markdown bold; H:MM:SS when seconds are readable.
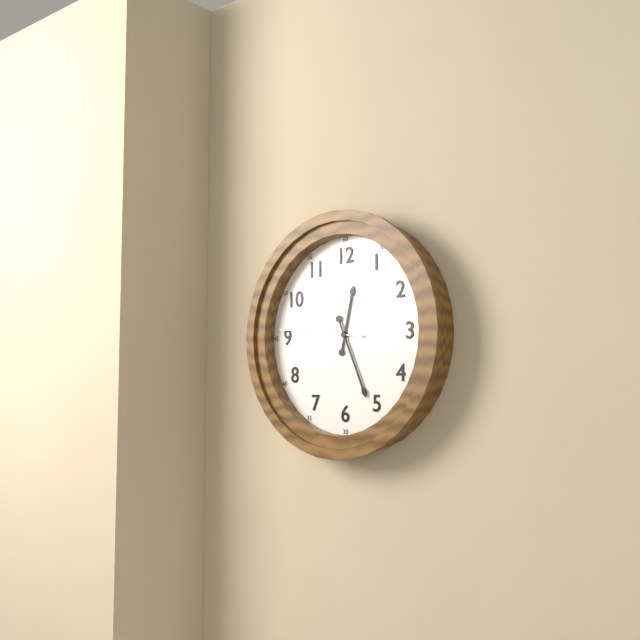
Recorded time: **12:26:46**
